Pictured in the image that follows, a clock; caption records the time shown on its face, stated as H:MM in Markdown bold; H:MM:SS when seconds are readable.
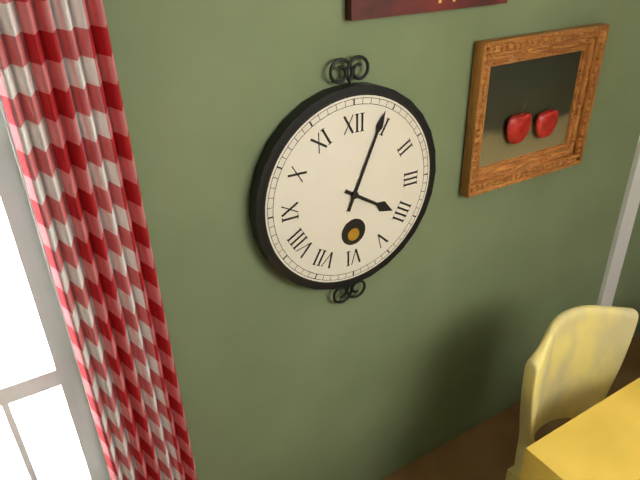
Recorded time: **4:04**
